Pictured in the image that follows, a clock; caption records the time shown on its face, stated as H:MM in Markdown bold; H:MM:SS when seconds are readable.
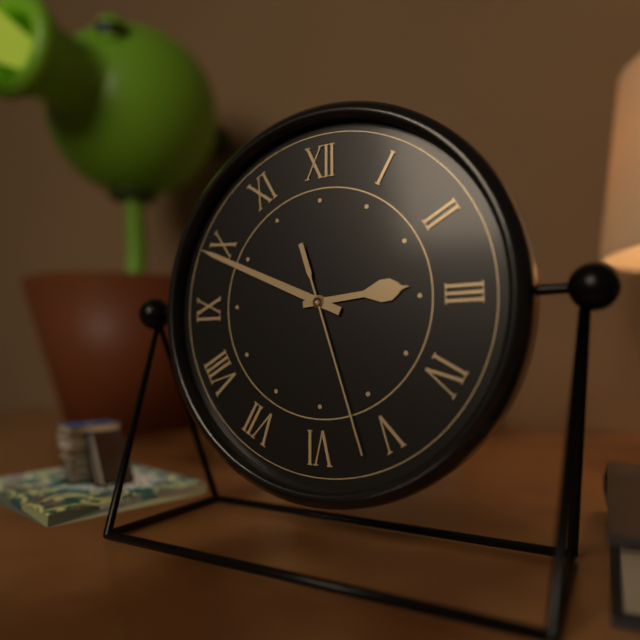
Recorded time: **2:49:27**
